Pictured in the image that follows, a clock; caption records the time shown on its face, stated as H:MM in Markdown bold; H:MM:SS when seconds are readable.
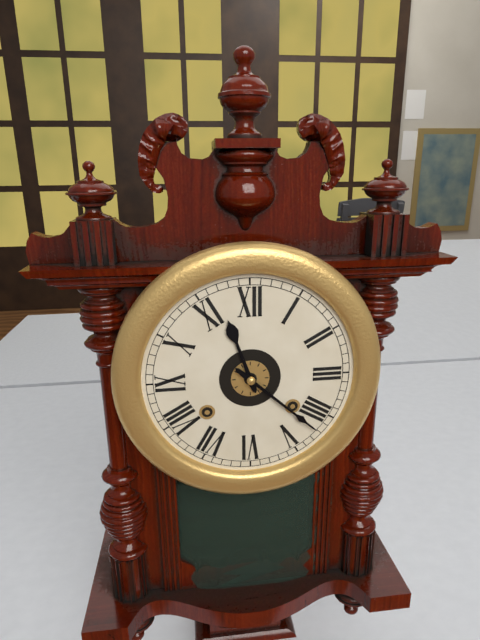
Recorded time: **11:22**
